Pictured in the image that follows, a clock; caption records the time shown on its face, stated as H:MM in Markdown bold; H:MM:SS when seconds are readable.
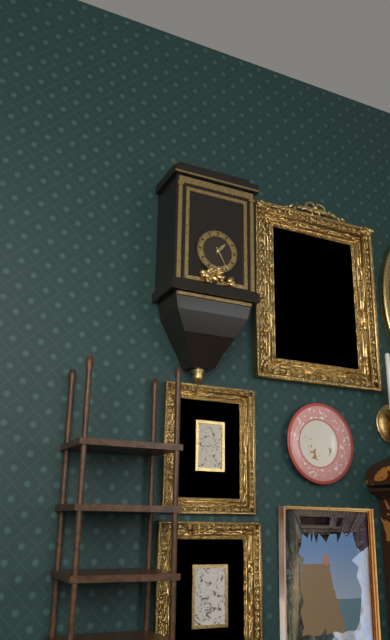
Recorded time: **1:25**
